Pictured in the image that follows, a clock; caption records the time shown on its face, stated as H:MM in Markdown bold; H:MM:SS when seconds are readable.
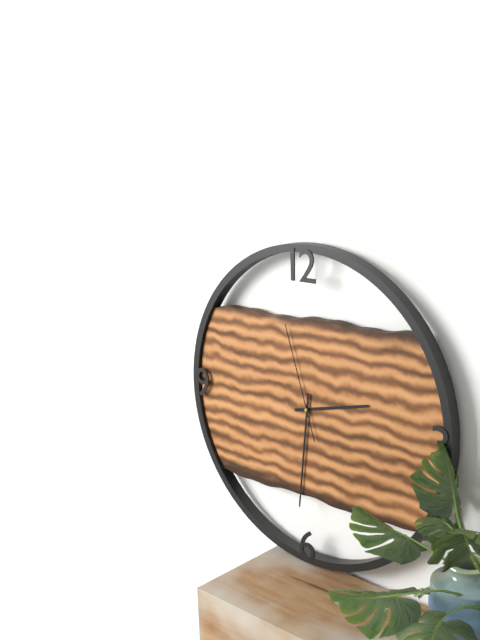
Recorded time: **2:31:57**
